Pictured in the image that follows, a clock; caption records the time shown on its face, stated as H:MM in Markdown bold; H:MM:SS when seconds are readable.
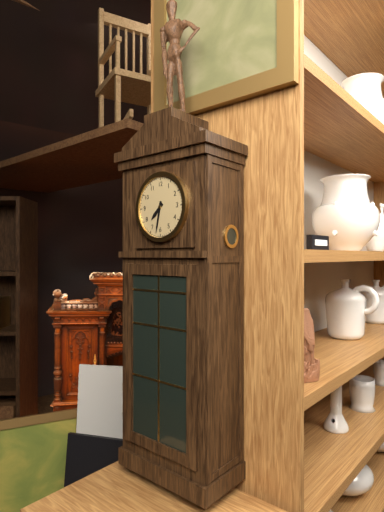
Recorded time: **7:32**
